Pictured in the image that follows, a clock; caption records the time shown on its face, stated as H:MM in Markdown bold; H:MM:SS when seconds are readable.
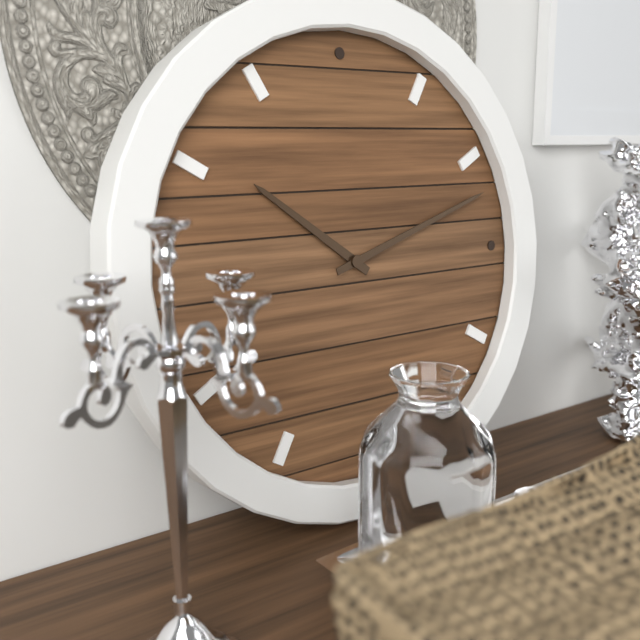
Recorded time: **10:12**
